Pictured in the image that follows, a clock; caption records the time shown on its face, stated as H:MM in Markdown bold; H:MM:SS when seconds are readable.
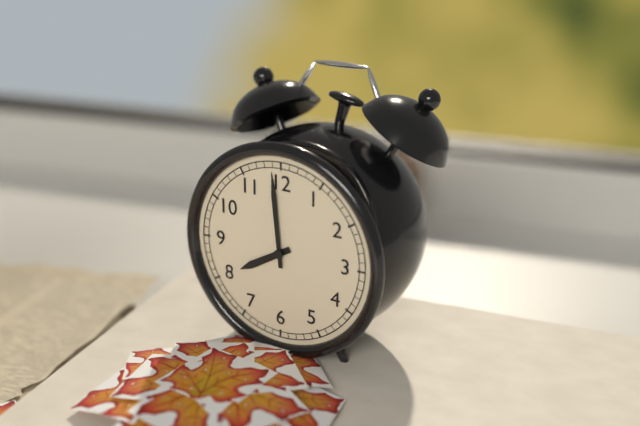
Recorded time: **7:59**
